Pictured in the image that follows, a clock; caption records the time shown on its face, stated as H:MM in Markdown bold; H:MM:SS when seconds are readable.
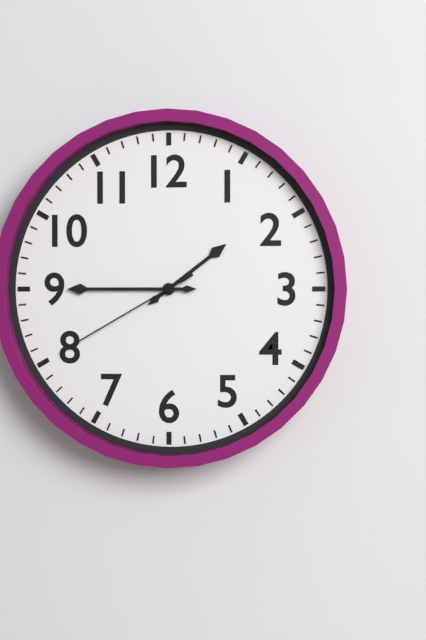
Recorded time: **1:45:40**
